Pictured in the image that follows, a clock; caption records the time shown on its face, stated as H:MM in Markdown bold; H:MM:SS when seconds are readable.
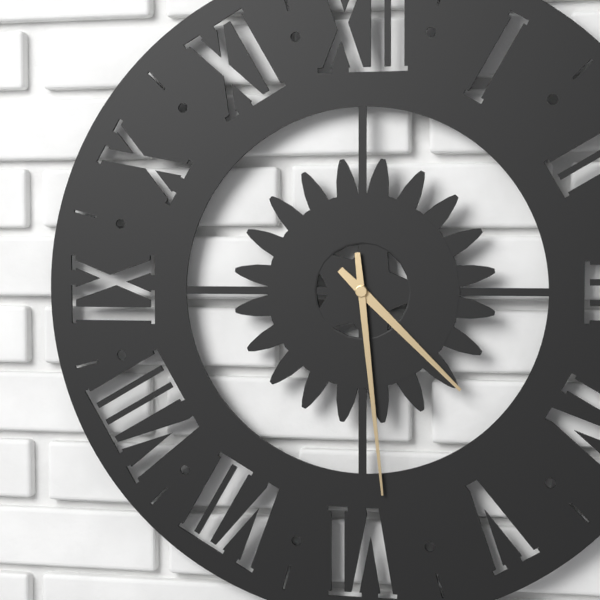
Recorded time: **4:29**
